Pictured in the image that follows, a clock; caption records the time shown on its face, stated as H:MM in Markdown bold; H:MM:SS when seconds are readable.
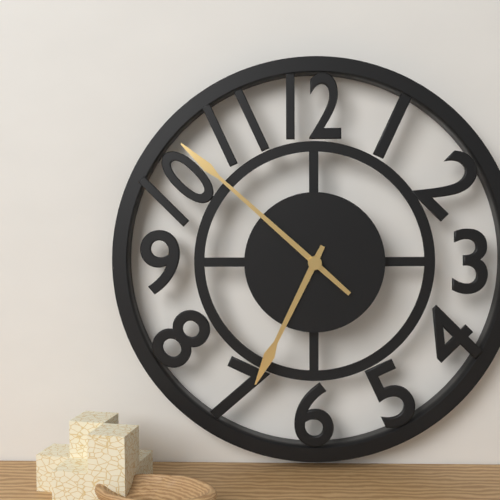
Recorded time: **6:52**
